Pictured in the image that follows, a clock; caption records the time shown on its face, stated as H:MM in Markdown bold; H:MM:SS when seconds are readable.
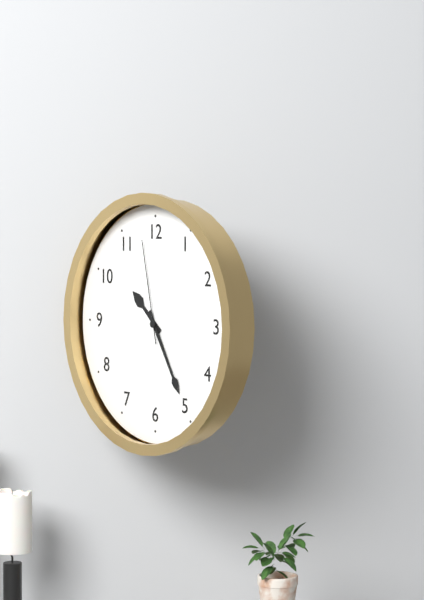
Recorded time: **10:25:58**
